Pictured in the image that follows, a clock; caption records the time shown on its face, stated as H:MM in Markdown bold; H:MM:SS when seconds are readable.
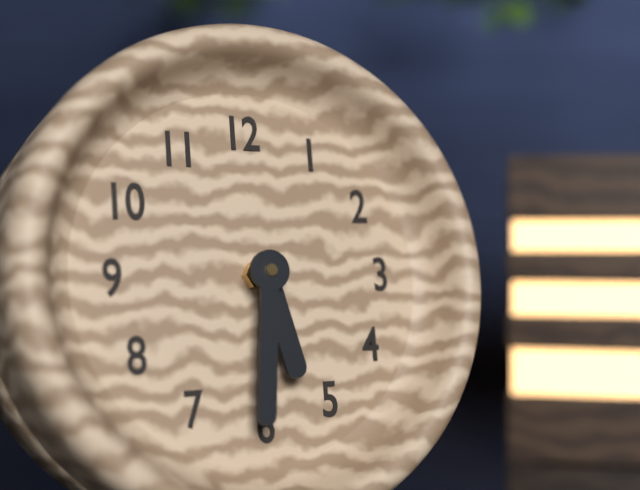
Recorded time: **5:31**
